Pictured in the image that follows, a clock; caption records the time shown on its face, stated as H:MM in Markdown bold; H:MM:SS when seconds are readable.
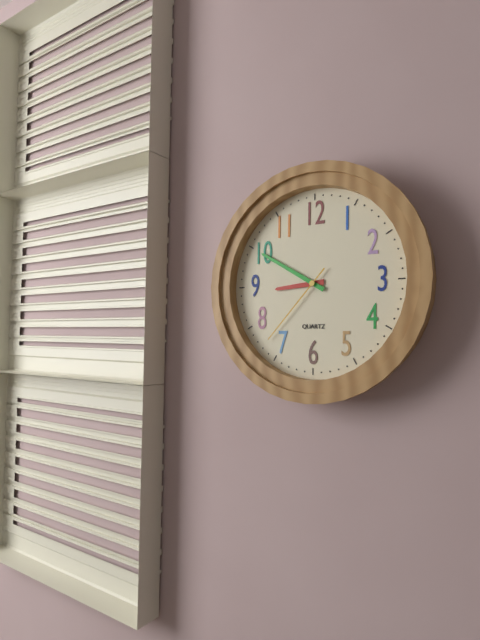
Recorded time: **8:50:37**
